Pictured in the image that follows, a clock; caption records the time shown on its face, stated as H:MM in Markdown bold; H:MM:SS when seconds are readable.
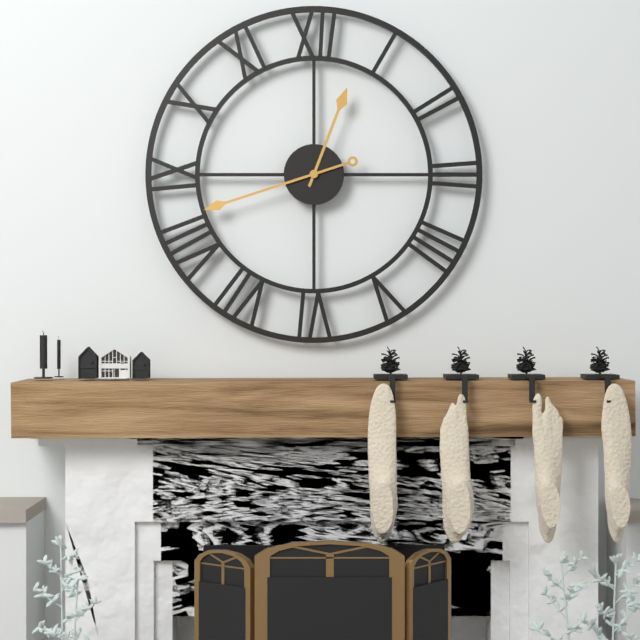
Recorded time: **12:42**
